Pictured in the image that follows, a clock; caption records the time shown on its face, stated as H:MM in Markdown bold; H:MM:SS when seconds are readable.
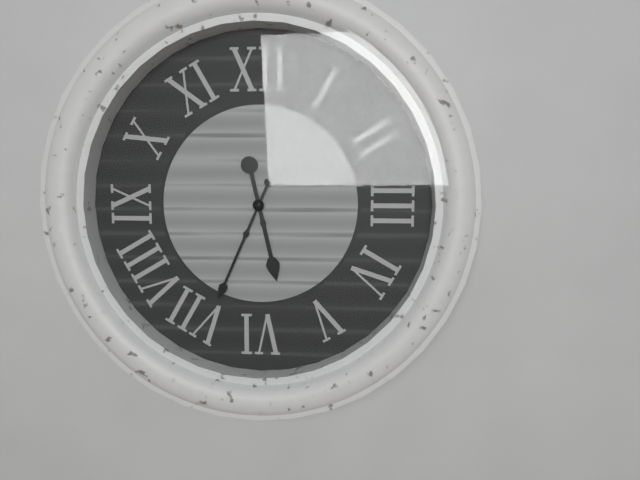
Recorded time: **5:34**
